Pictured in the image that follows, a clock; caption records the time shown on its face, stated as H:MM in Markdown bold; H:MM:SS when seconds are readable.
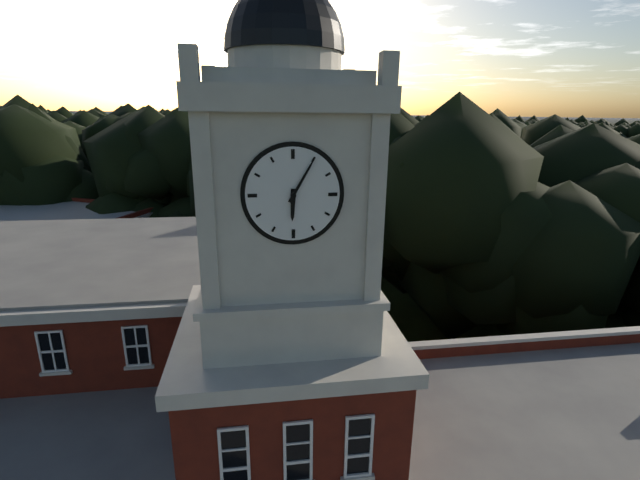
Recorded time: **6:05**
